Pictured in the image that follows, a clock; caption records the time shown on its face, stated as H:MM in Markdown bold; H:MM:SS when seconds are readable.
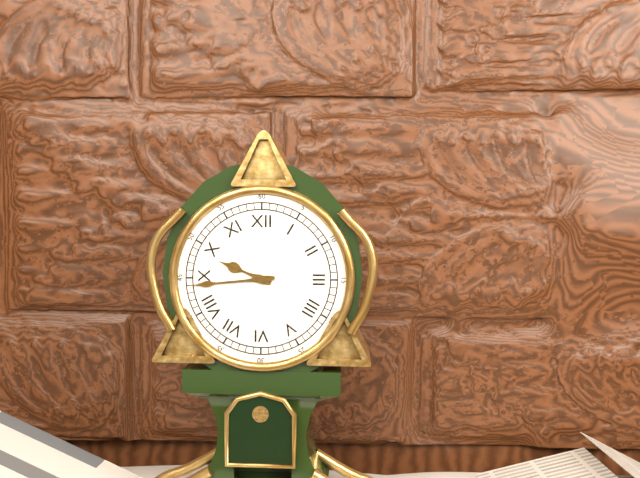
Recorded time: **9:44**
